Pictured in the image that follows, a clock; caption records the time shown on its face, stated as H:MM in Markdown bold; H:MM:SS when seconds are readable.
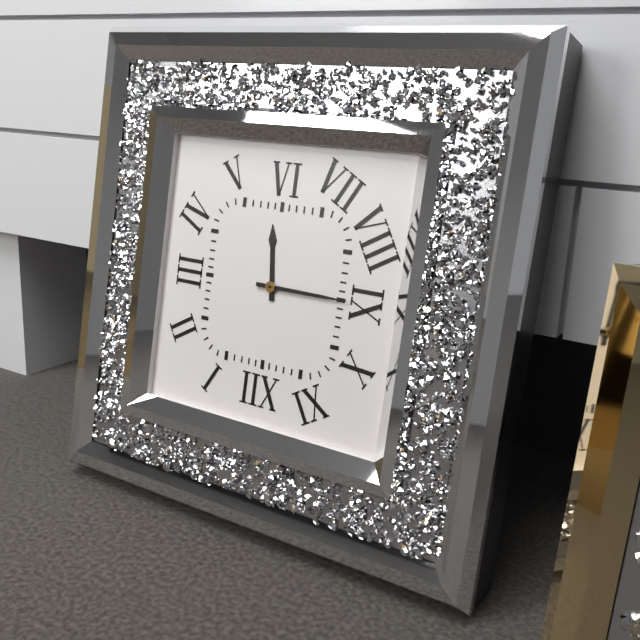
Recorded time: **5:45**
